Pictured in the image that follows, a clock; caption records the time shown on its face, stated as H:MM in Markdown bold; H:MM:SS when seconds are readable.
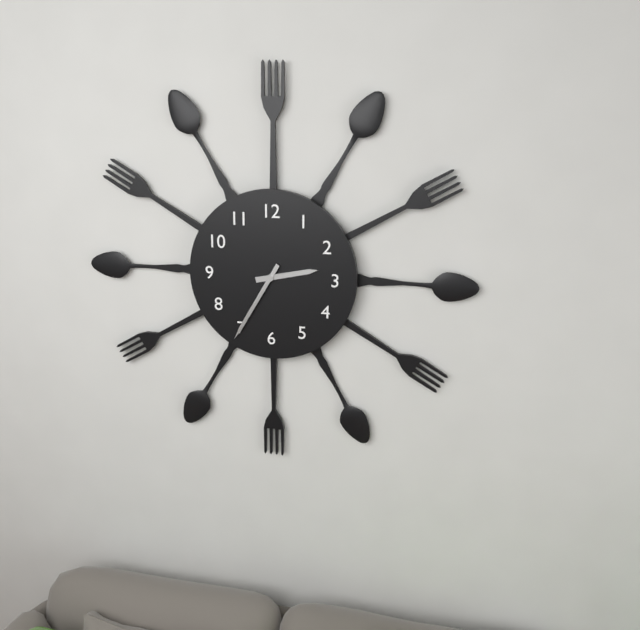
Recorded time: **2:35**
